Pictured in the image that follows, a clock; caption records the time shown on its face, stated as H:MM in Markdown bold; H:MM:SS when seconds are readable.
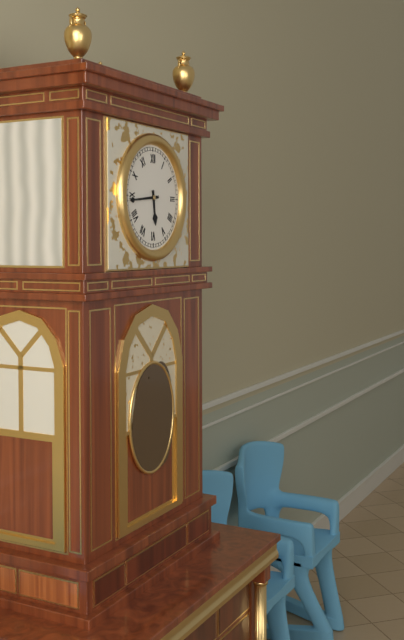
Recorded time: **5:44**
